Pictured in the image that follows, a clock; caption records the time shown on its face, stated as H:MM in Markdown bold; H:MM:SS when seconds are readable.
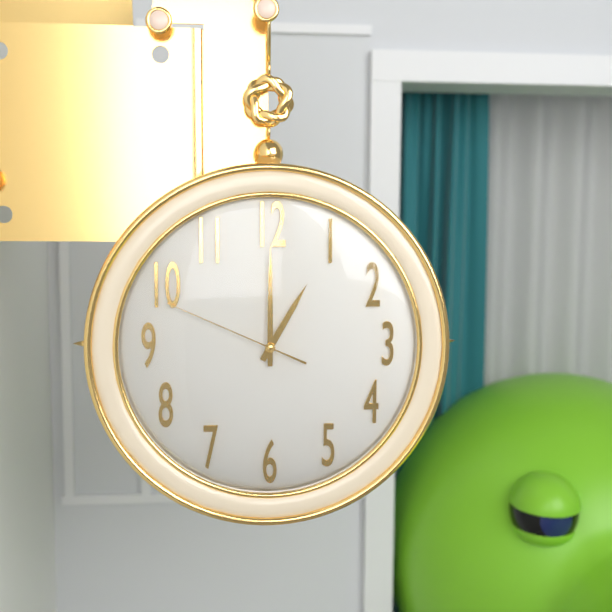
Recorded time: **1:00:49**
